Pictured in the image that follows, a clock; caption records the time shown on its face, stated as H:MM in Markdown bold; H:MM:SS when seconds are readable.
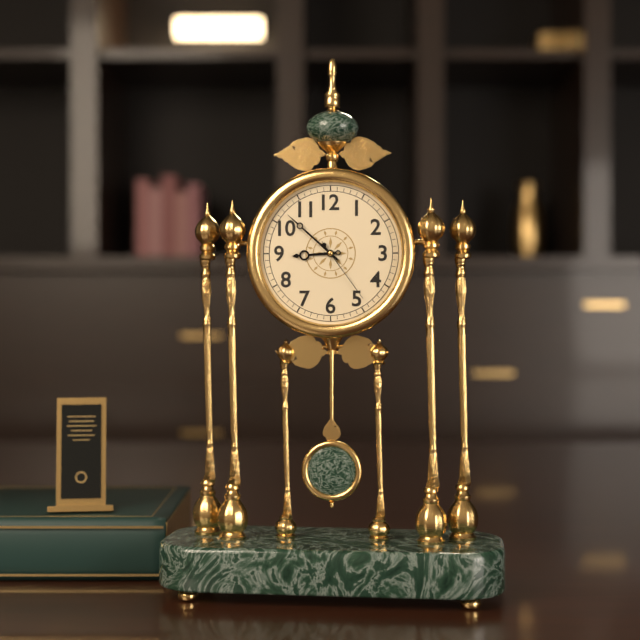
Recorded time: **8:52:24**
